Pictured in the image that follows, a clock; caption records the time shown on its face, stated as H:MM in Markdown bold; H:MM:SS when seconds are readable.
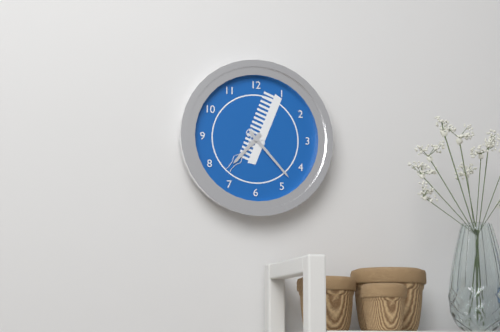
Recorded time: **7:23**
